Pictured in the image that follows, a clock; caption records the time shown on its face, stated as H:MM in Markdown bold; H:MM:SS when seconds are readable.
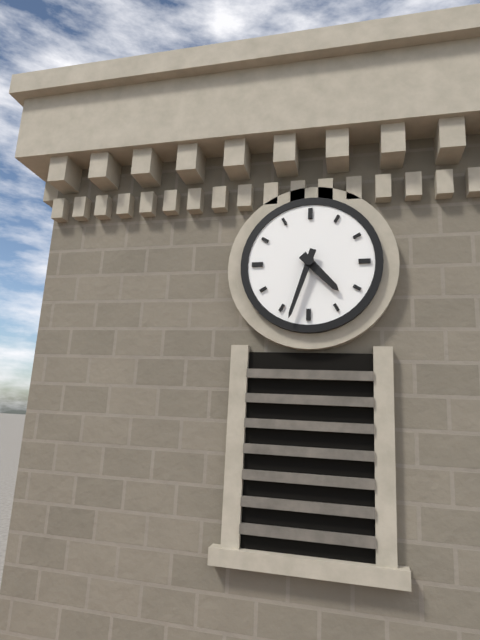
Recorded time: **4:33**
